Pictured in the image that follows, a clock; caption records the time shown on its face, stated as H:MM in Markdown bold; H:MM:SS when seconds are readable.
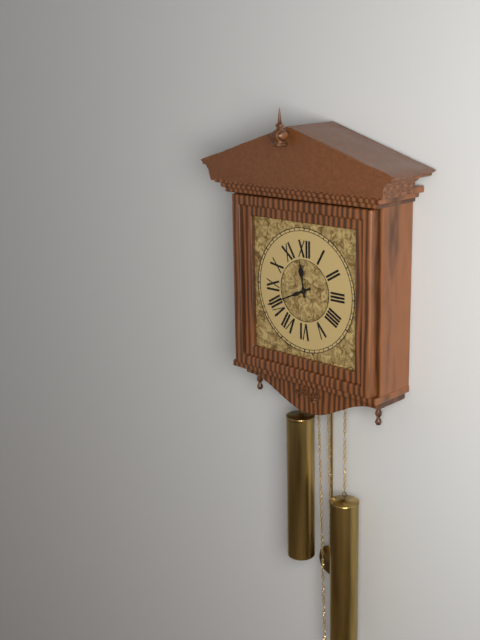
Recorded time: **11:41**
